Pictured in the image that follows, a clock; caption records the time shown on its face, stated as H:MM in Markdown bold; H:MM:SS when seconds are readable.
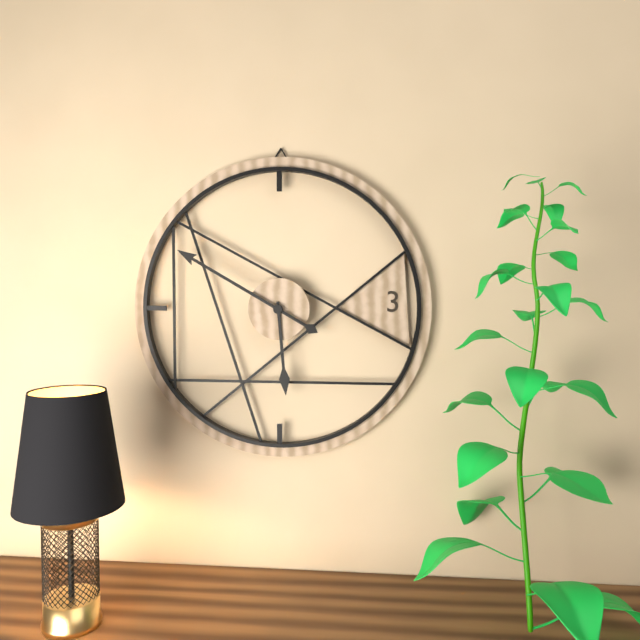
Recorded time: **5:50**
